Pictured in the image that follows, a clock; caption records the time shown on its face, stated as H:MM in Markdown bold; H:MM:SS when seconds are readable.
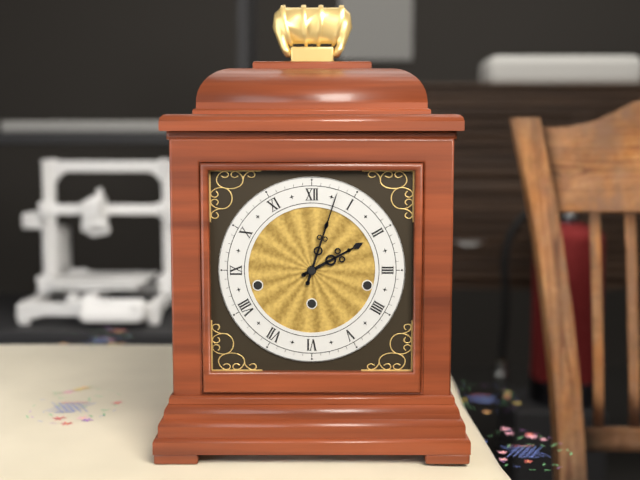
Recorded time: **2:03**
